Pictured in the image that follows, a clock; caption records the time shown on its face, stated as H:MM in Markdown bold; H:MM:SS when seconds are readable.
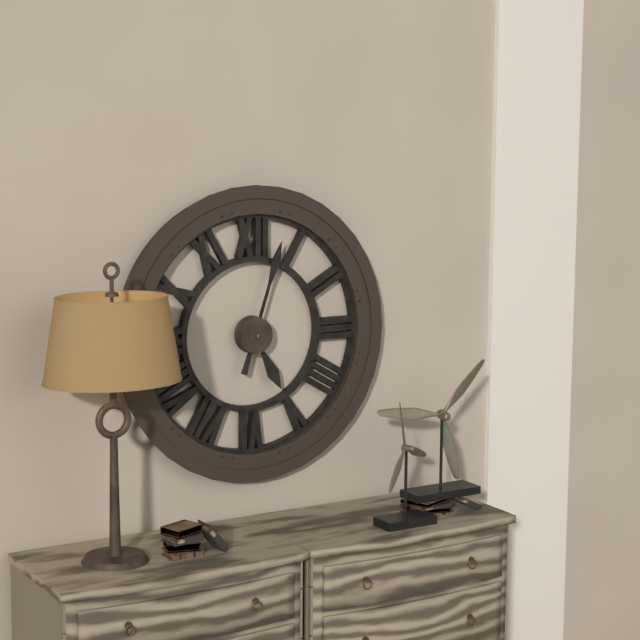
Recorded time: **5:03**
